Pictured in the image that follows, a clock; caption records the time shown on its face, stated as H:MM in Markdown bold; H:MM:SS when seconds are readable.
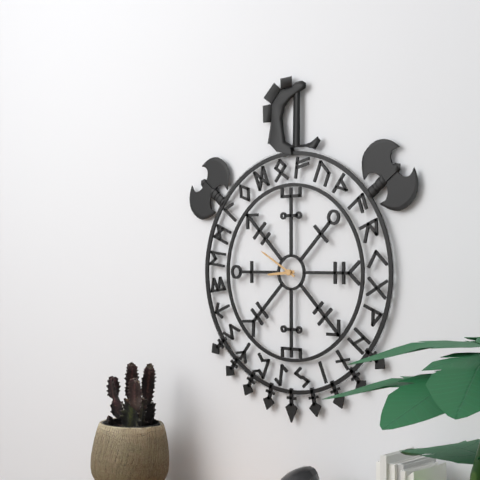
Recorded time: **8:50**
